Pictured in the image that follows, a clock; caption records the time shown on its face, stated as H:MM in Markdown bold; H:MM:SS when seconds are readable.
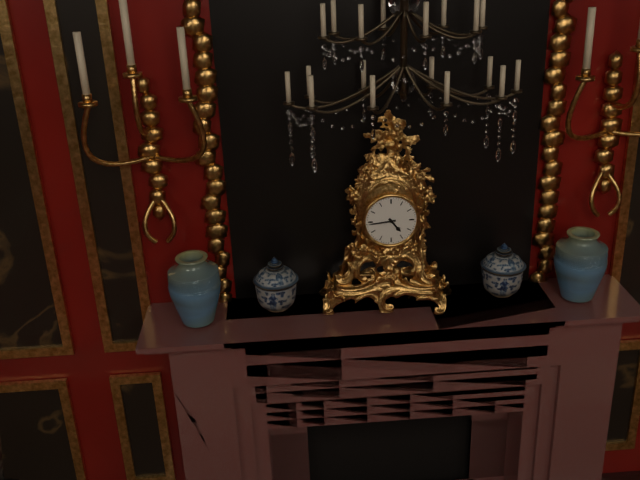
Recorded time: **4:44**
